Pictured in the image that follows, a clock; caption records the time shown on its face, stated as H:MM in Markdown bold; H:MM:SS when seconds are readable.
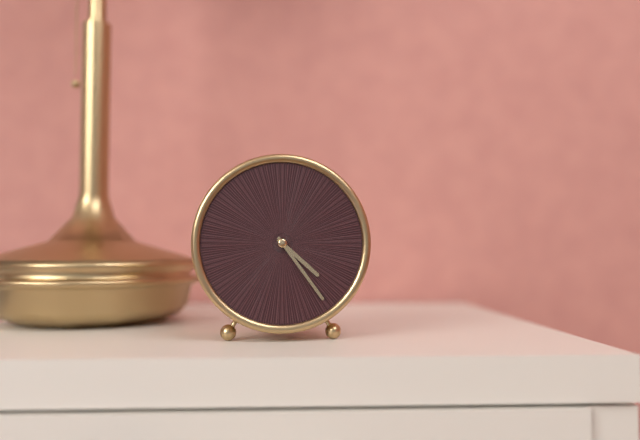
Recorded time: **4:24**
